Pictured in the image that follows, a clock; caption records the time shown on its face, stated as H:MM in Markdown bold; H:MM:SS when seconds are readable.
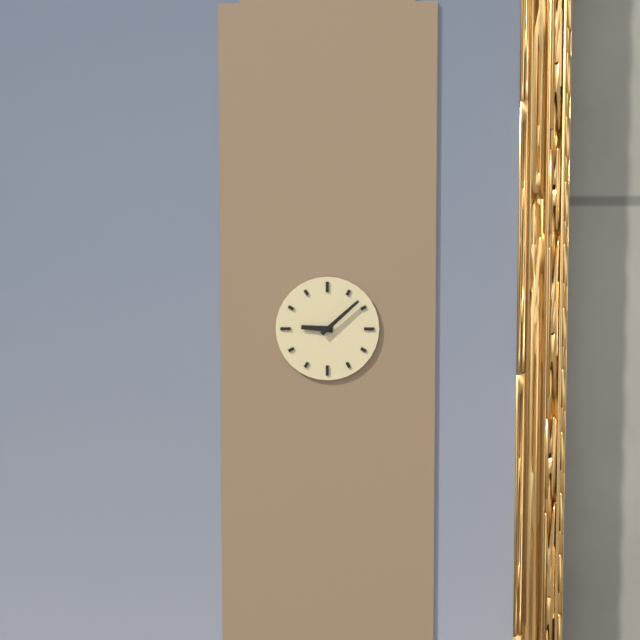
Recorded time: **9:08**
